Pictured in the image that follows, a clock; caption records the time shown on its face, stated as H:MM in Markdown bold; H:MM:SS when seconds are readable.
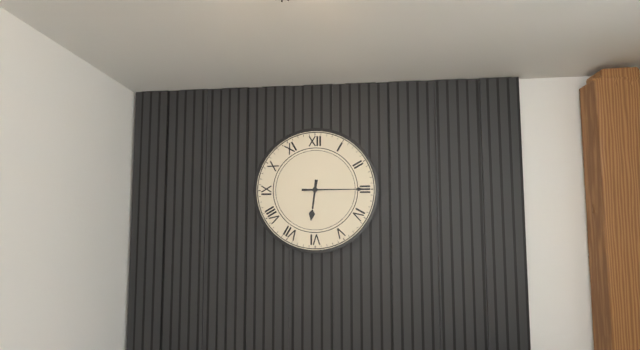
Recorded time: **6:15**
